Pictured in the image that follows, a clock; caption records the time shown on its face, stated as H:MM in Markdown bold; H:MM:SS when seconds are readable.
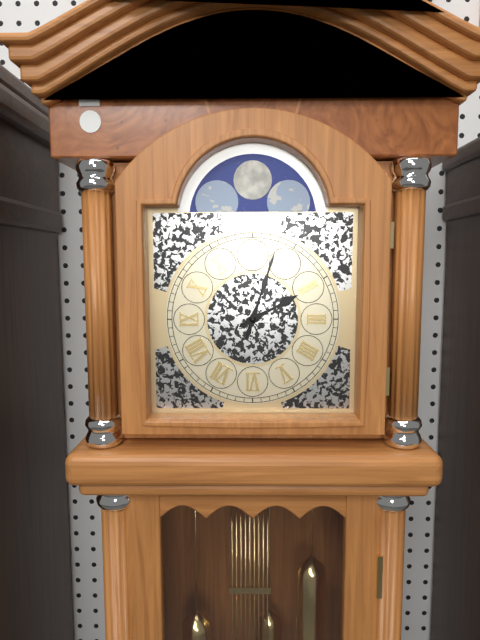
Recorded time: **2:03**
